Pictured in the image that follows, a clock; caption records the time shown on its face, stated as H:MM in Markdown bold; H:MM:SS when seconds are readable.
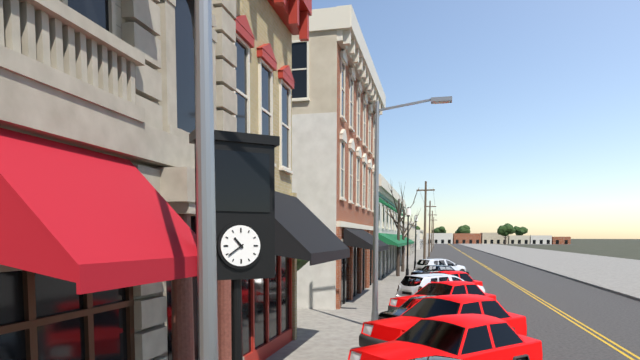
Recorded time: **10:39**
